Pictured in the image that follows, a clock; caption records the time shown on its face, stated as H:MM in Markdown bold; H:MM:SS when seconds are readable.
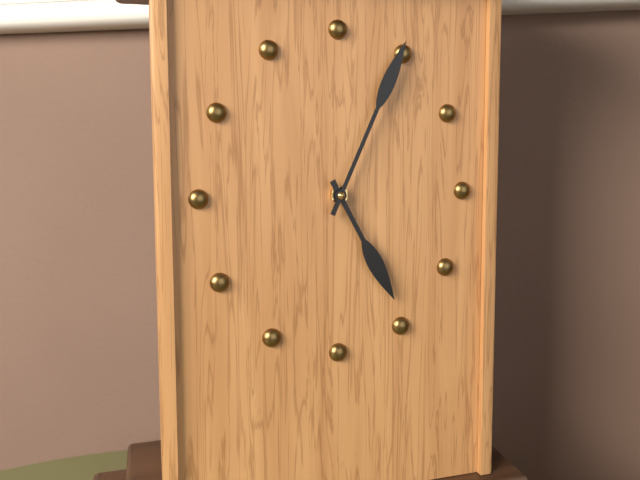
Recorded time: **5:04**
